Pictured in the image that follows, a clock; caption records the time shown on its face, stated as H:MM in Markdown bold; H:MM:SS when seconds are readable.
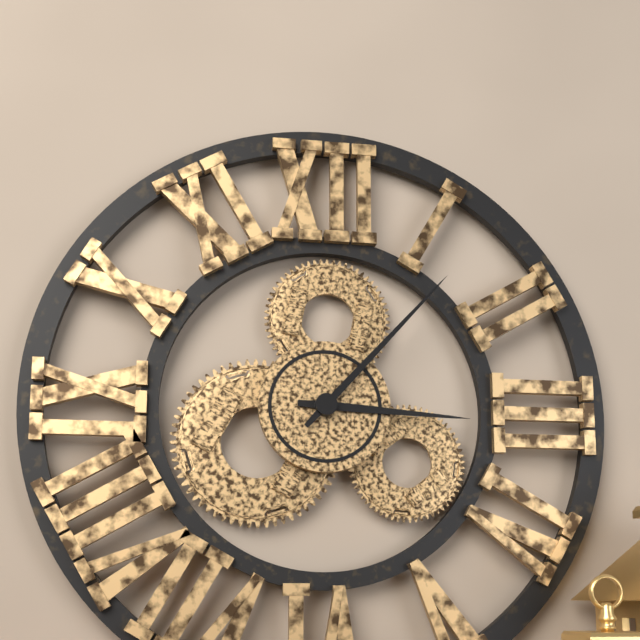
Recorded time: **3:07**
